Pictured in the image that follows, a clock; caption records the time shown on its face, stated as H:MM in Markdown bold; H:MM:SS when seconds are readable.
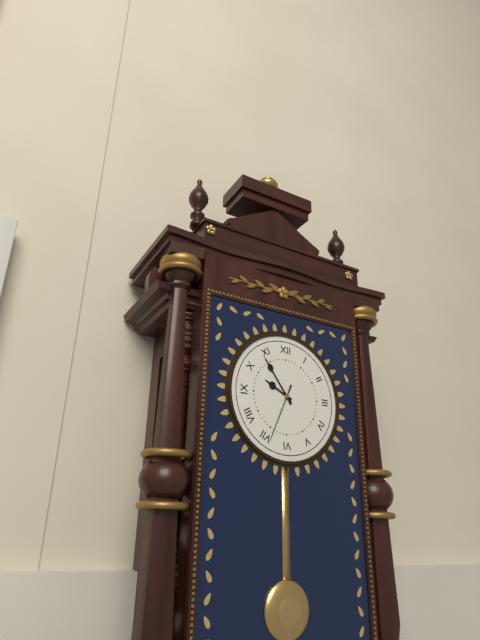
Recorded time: **9:54:34**
